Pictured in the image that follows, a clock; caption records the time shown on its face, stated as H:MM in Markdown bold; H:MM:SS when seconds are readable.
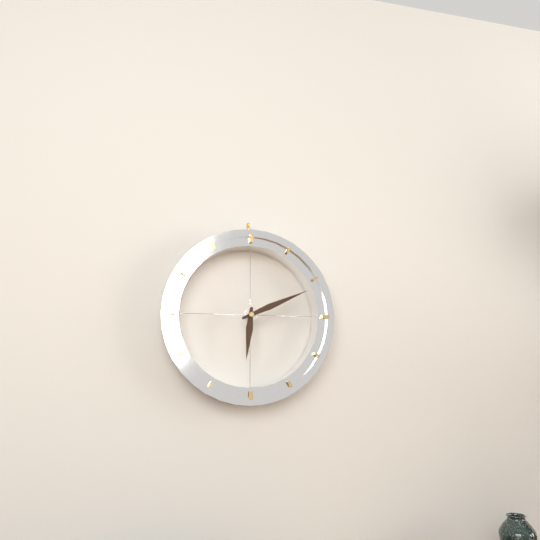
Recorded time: **6:11**
